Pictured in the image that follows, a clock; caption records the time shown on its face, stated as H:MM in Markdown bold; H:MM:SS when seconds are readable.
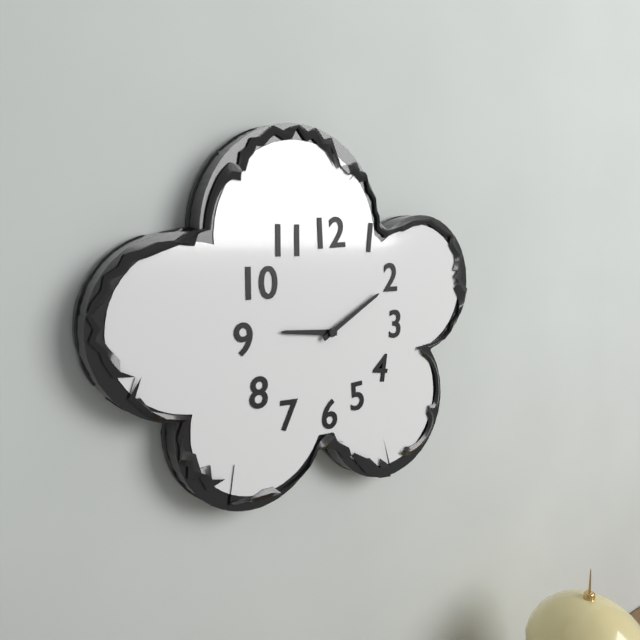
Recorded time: **9:10**
